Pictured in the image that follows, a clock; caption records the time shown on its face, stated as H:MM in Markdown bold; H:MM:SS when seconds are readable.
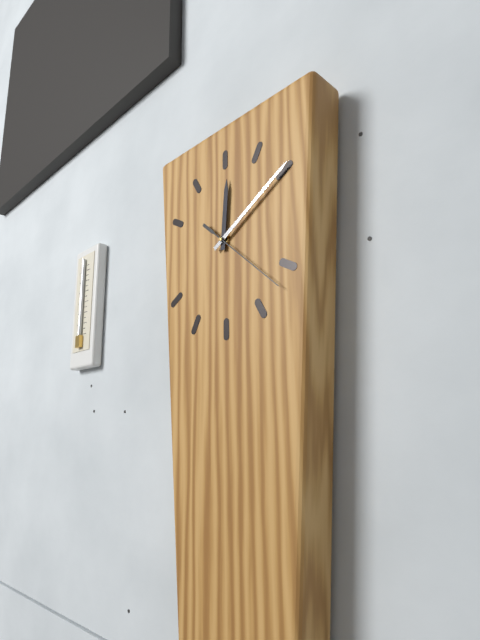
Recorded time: **12:10:22**
